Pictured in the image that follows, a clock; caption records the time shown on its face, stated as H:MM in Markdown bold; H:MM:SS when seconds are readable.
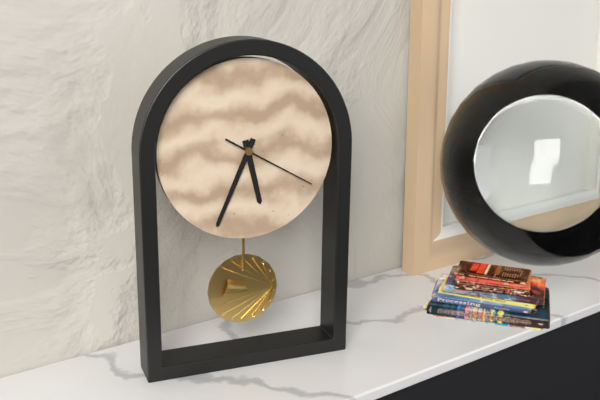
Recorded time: **5:34:20**
